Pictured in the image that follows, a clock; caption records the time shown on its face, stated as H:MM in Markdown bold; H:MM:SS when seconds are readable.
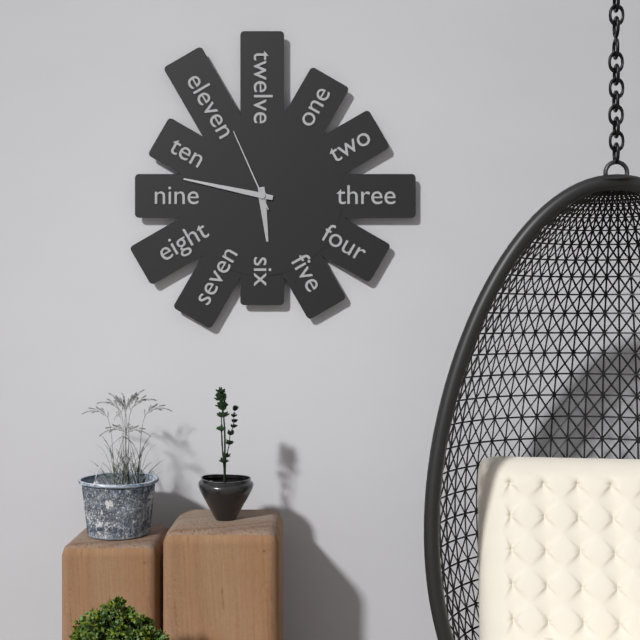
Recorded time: **5:47:56**
